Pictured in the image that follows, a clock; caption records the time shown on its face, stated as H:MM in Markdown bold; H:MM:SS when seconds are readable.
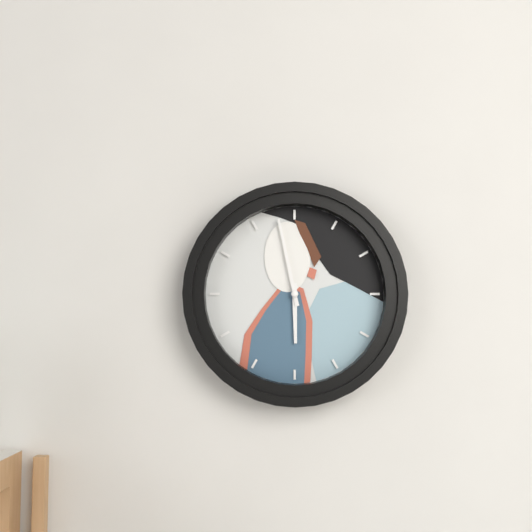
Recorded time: **5:58**
